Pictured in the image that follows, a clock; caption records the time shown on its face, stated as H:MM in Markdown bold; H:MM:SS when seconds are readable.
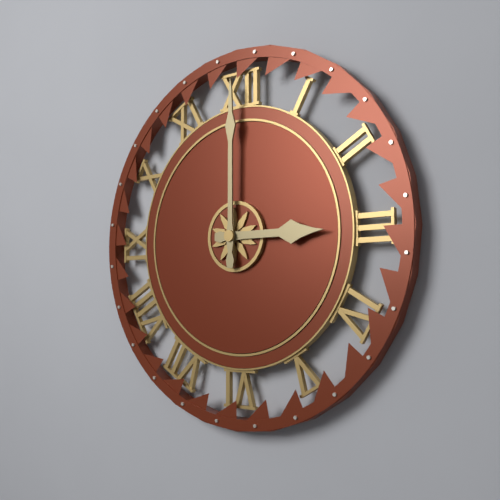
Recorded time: **3:00**
